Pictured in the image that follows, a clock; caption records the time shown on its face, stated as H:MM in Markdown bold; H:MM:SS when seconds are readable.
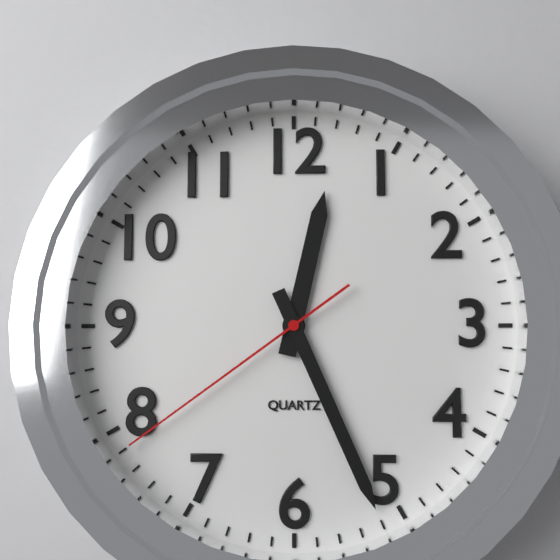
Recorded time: **12:26:39**
